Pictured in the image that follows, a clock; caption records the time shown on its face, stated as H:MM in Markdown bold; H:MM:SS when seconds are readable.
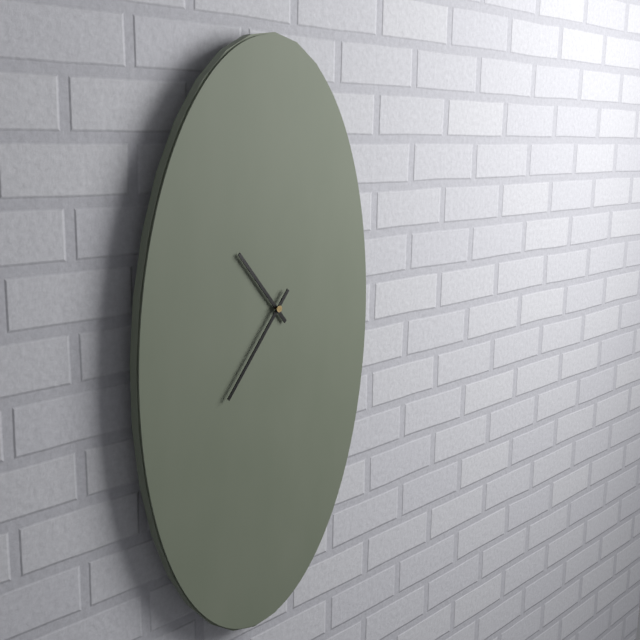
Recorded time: **10:36**
